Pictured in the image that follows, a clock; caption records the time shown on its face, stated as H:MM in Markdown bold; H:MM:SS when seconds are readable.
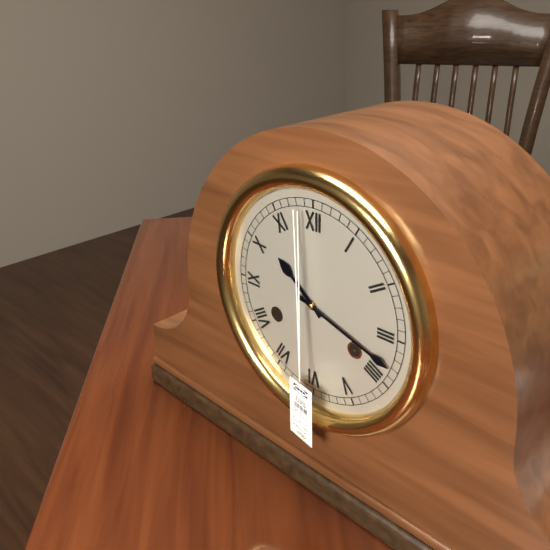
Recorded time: **10:18**
